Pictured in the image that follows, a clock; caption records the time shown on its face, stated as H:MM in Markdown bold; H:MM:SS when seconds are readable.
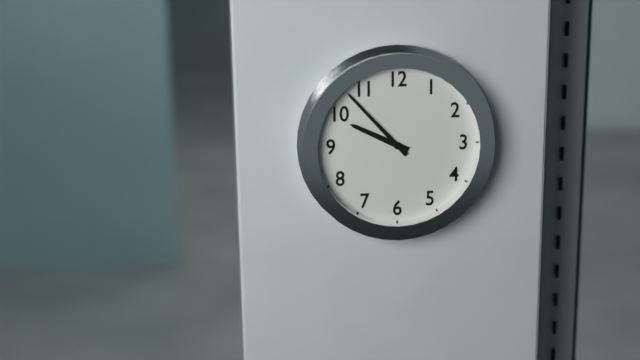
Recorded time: **9:53**
